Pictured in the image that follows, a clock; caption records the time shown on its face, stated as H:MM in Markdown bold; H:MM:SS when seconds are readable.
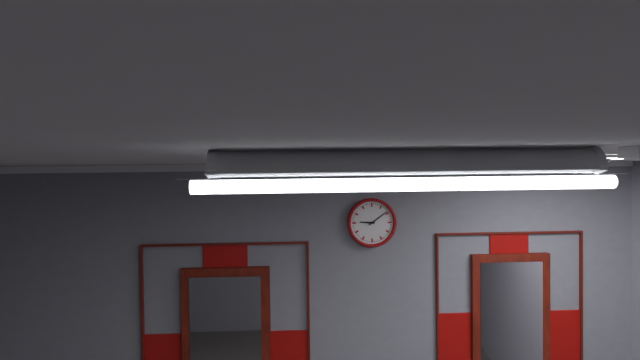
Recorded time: **9:09**
